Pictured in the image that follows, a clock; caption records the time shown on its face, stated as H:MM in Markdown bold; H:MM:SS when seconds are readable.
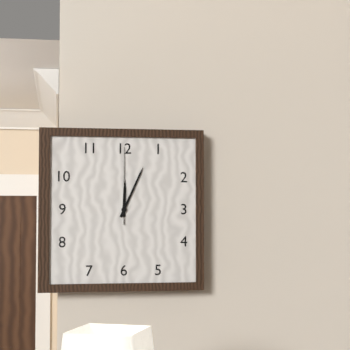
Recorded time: **12:04:00**
